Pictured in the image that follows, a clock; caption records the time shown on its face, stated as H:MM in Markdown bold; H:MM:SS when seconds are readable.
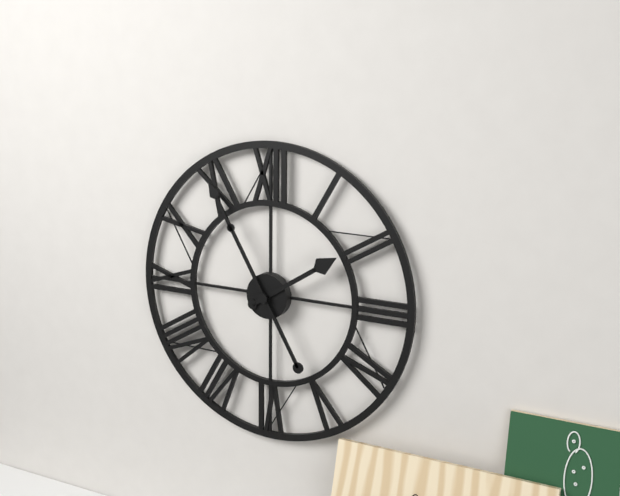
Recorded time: **1:55**
